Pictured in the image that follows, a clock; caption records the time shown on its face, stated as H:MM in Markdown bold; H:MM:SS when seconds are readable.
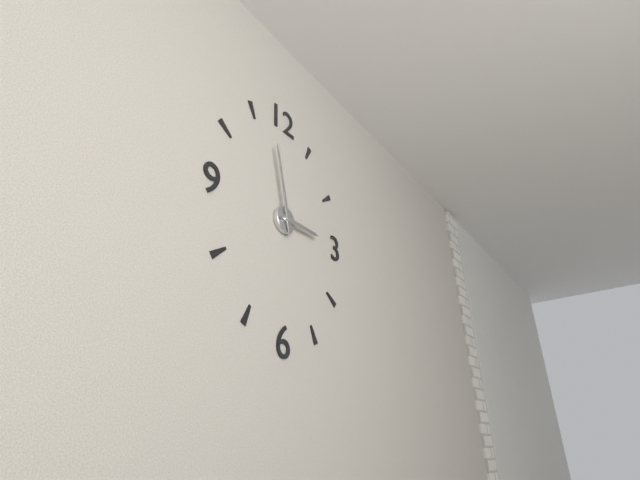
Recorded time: **2:58**
